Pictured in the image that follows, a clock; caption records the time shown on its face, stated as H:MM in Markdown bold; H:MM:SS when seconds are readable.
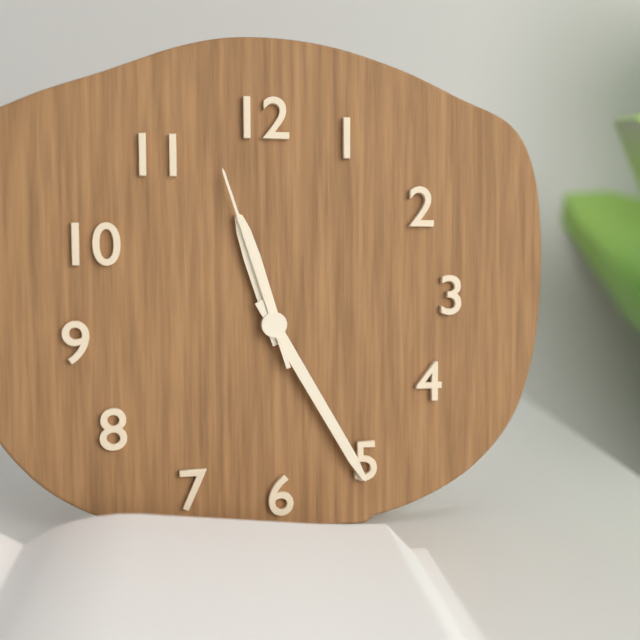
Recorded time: **11:25:57**
